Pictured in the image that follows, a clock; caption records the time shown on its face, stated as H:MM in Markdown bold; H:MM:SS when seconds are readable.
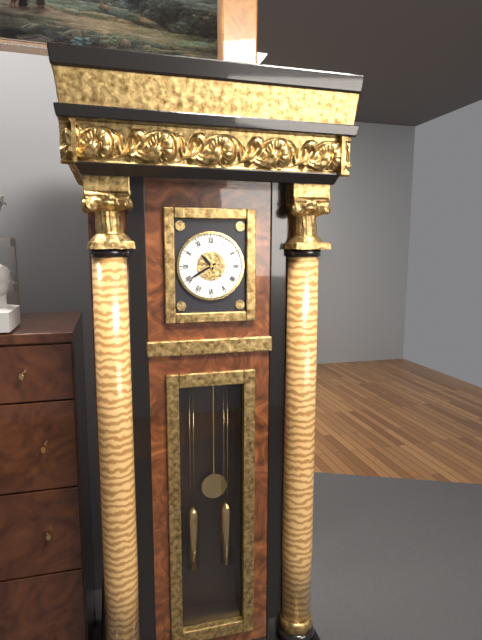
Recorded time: **10:40**
